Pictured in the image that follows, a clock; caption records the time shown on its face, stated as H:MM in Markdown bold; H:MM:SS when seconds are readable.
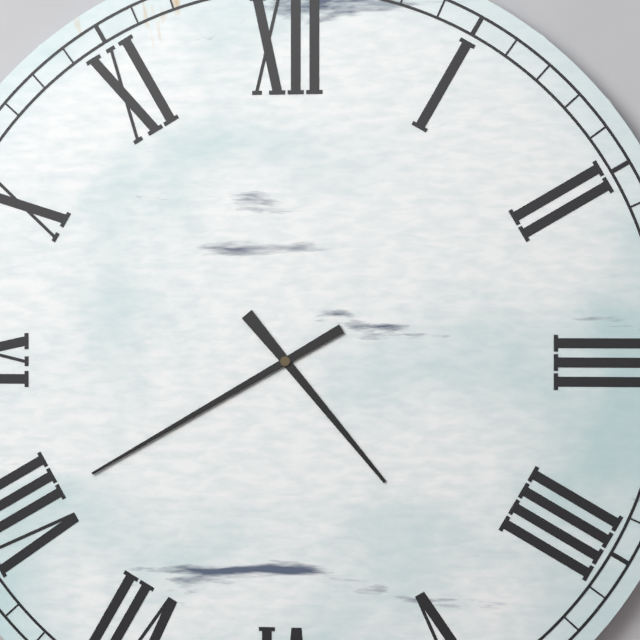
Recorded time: **4:40**
